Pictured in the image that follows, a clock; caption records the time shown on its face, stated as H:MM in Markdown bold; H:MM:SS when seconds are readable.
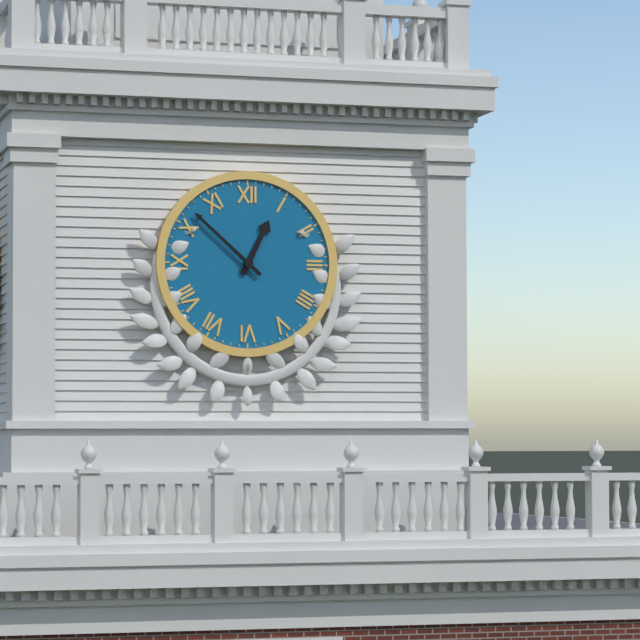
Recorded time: **12:52**
